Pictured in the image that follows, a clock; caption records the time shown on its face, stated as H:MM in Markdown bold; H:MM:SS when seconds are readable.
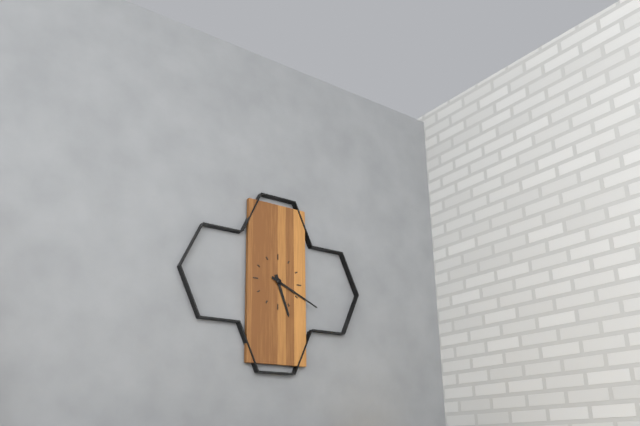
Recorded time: **5:19**
